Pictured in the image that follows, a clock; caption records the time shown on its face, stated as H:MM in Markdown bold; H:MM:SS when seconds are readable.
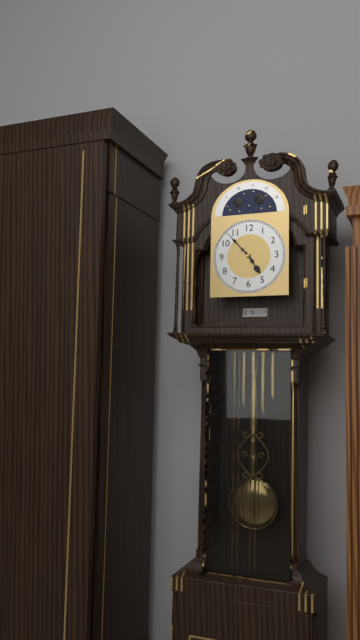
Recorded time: **4:53**
